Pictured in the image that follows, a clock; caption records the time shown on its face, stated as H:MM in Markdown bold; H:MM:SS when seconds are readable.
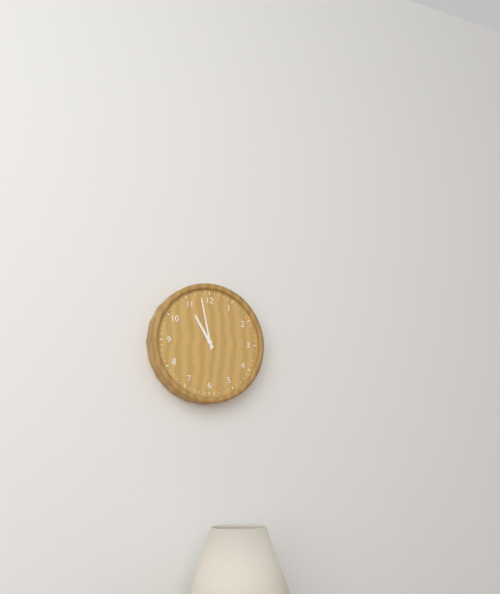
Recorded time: **10:58**
